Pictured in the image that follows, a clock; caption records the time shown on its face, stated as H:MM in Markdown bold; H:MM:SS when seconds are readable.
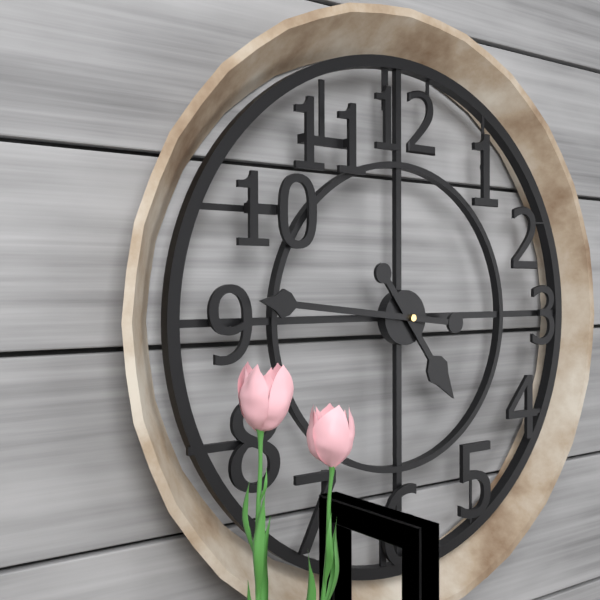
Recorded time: **4:46**
